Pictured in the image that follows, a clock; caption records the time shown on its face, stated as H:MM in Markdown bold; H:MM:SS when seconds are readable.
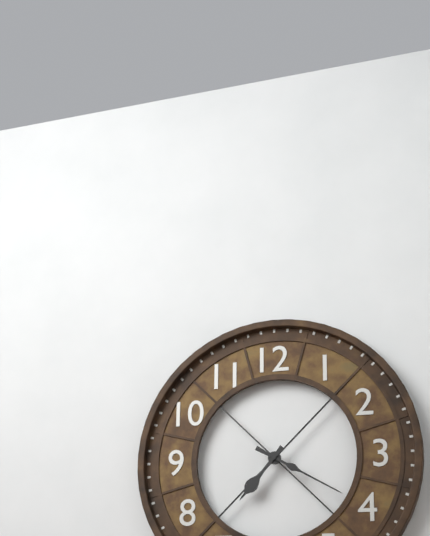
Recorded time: **7:20**
